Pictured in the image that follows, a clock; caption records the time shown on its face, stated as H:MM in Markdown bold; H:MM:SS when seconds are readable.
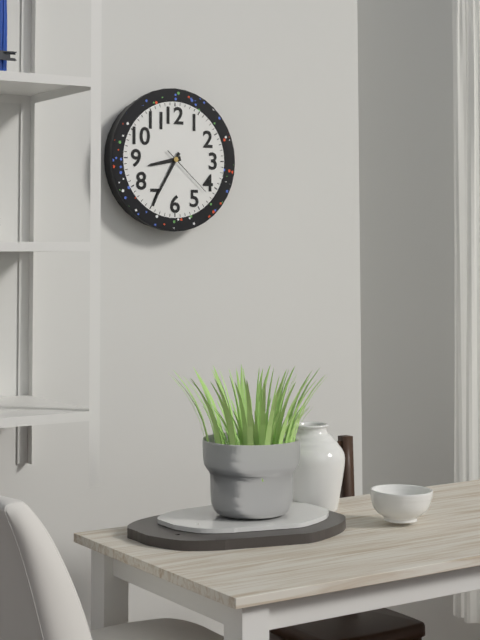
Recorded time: **8:35:22**
